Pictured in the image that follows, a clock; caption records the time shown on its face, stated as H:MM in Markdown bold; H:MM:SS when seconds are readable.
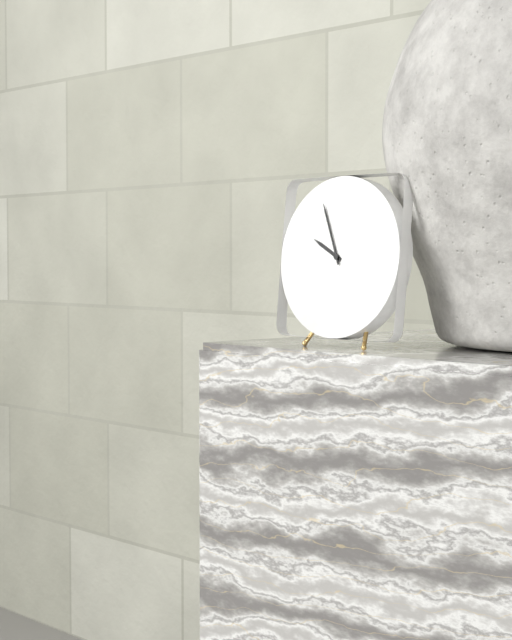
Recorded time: **9:56**
